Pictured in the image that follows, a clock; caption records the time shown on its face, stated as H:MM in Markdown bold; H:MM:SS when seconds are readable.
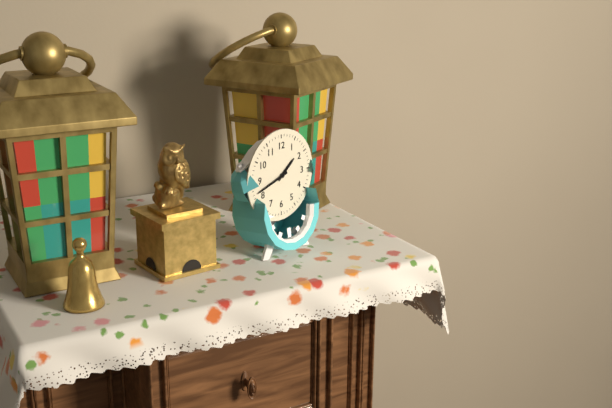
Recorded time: **1:42**
